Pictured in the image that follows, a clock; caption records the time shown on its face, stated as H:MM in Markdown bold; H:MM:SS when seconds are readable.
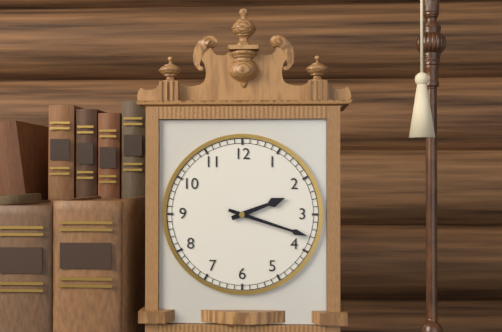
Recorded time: **2:18**
